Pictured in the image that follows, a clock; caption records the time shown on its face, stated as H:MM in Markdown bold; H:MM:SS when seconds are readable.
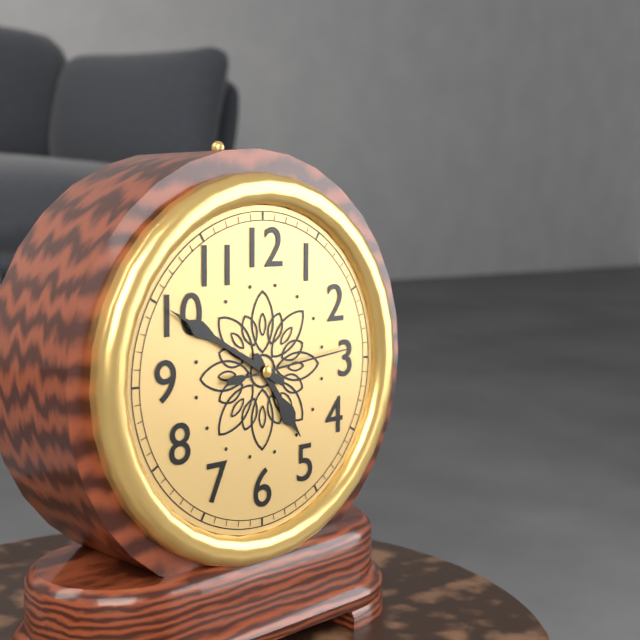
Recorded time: **4:50:14**
